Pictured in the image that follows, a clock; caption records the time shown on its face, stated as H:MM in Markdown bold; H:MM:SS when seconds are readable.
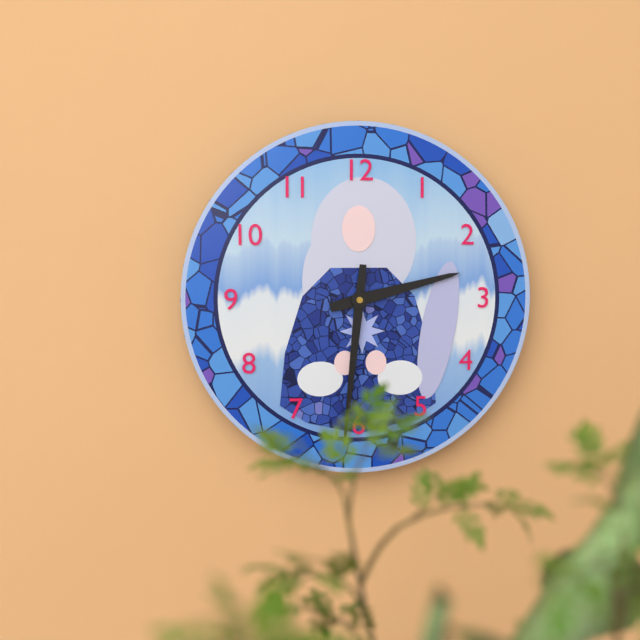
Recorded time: **2:31**
